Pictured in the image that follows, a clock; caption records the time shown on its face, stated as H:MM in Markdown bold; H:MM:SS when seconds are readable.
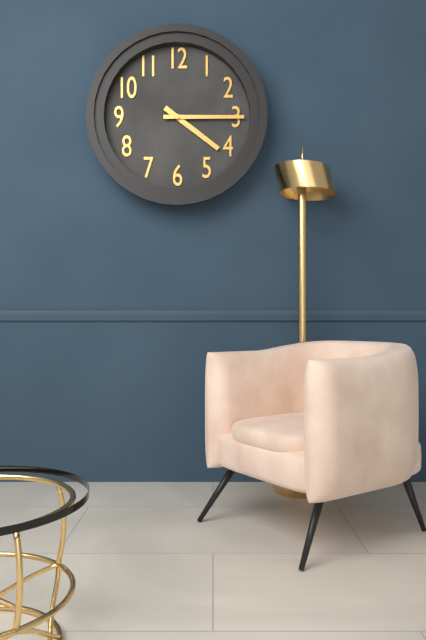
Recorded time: **4:15**
